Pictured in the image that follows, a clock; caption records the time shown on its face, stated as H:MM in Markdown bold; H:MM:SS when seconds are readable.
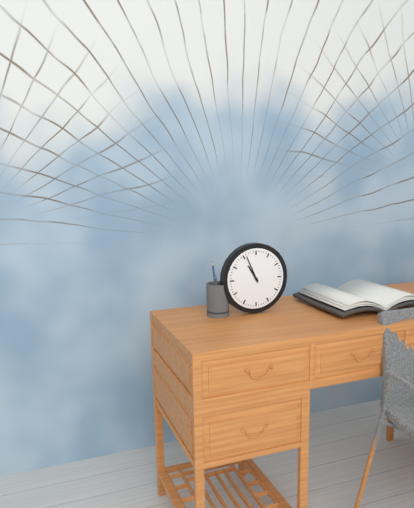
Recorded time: **10:56**
